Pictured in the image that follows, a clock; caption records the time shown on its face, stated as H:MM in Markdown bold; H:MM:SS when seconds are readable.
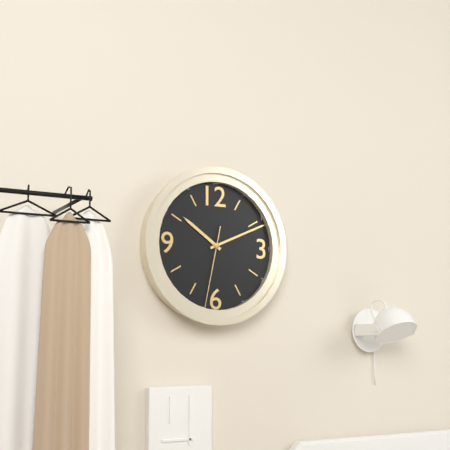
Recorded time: **10:11:32**
